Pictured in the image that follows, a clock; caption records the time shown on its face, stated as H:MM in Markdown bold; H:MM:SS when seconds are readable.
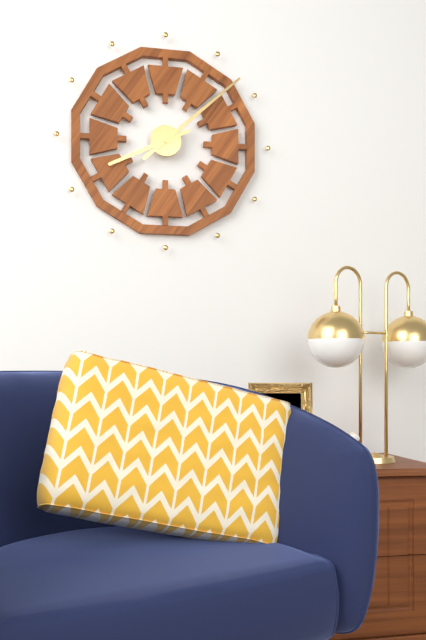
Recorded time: **8:08**
